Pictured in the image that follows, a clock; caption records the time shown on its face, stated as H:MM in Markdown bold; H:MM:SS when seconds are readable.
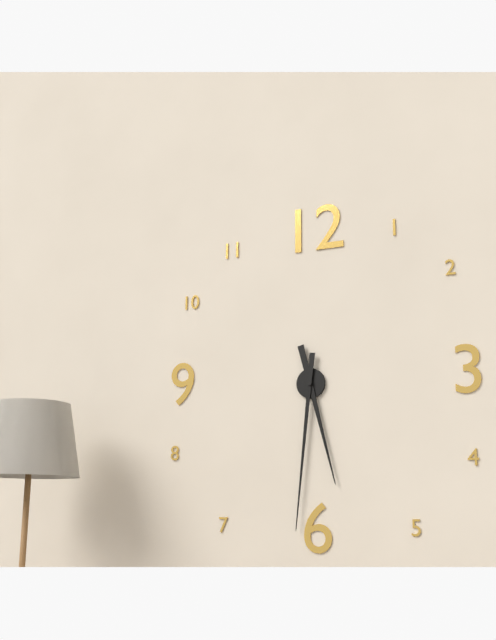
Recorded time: **5:31**
